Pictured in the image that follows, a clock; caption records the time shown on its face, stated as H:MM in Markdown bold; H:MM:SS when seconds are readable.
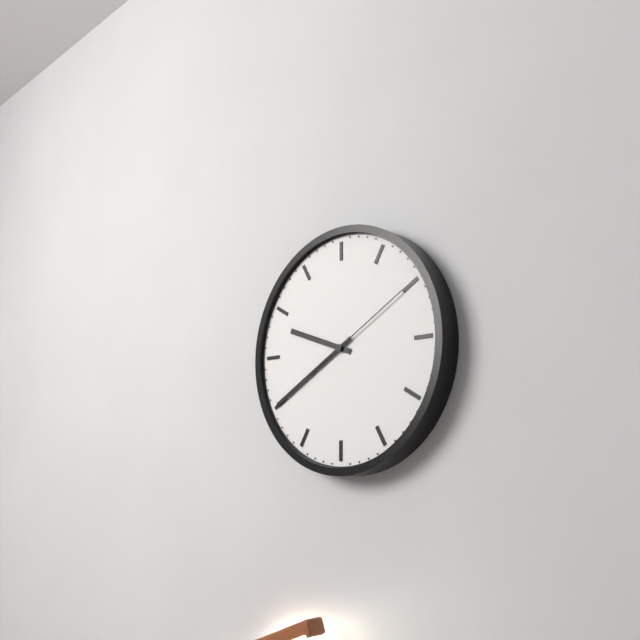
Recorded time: **9:40:10**
